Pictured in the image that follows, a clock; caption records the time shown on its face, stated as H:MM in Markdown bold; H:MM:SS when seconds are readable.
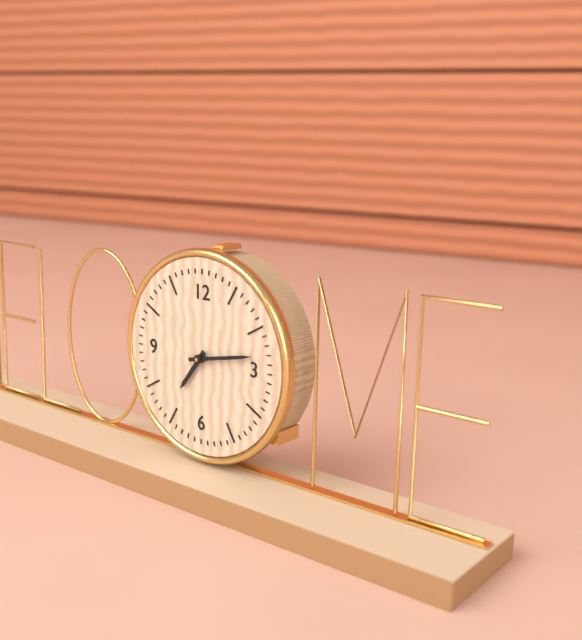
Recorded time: **7:13**
